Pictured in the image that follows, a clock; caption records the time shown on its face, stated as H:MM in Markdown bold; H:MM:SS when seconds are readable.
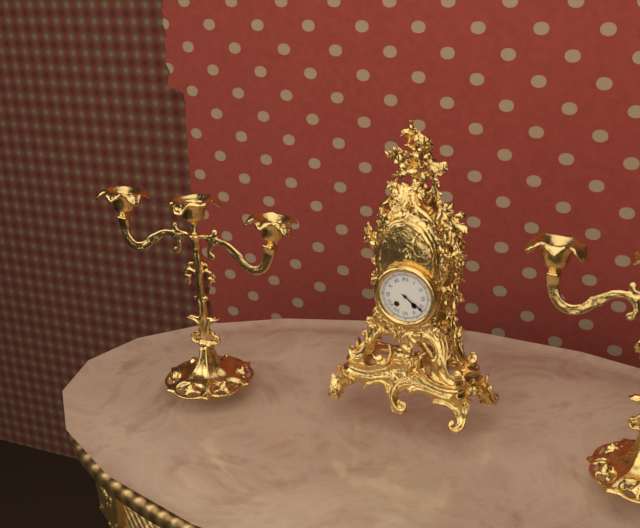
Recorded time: **4:21**
